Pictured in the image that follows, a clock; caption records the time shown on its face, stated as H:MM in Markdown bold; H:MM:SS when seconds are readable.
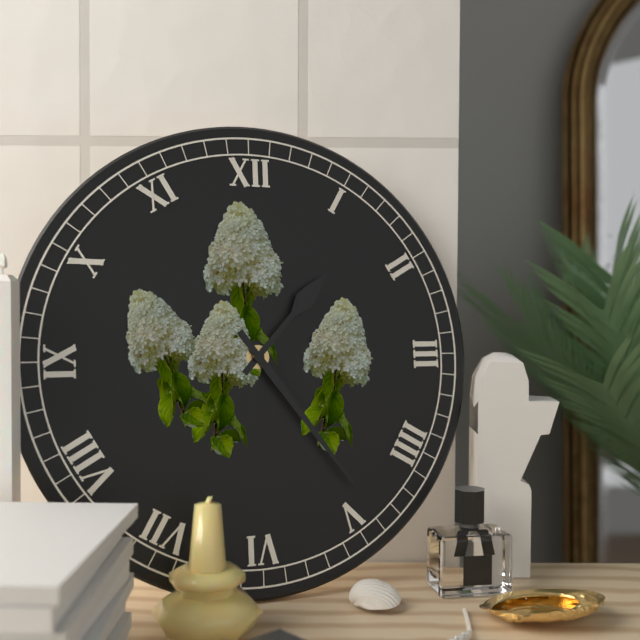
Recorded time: **1:24**
